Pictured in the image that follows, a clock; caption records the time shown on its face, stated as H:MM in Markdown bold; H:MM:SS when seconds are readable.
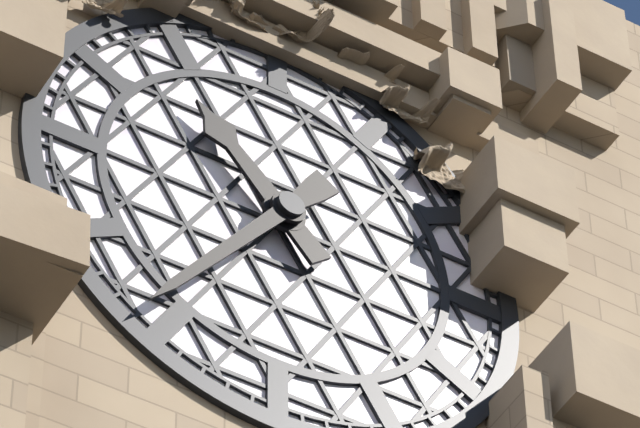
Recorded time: **10:36**
